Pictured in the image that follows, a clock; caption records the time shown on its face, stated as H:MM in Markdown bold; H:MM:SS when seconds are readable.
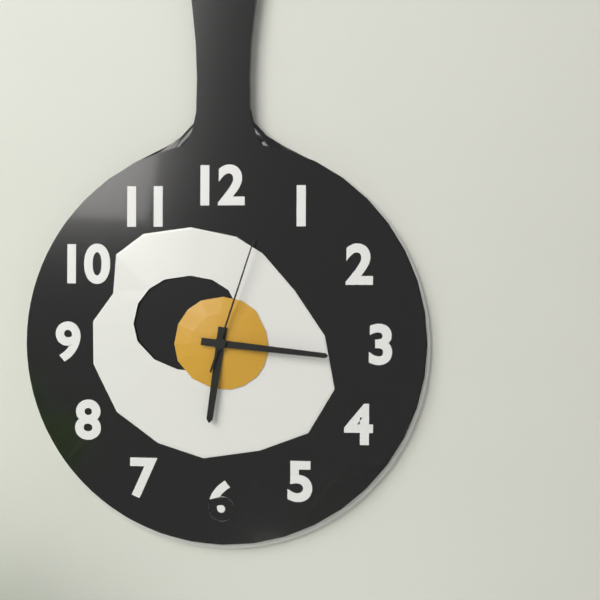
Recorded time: **6:16:03**
